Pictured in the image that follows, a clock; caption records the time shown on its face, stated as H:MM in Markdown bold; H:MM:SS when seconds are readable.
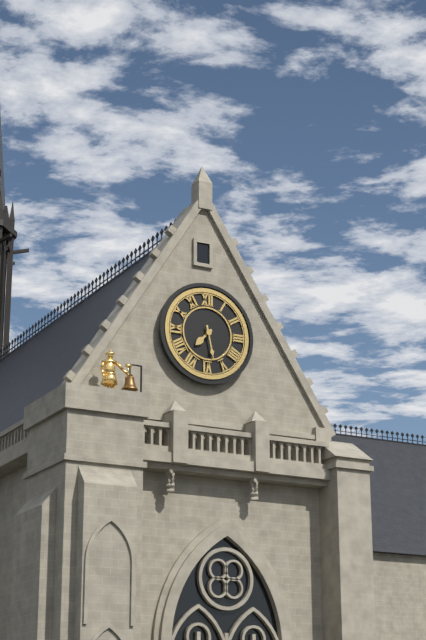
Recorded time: **7:28**
